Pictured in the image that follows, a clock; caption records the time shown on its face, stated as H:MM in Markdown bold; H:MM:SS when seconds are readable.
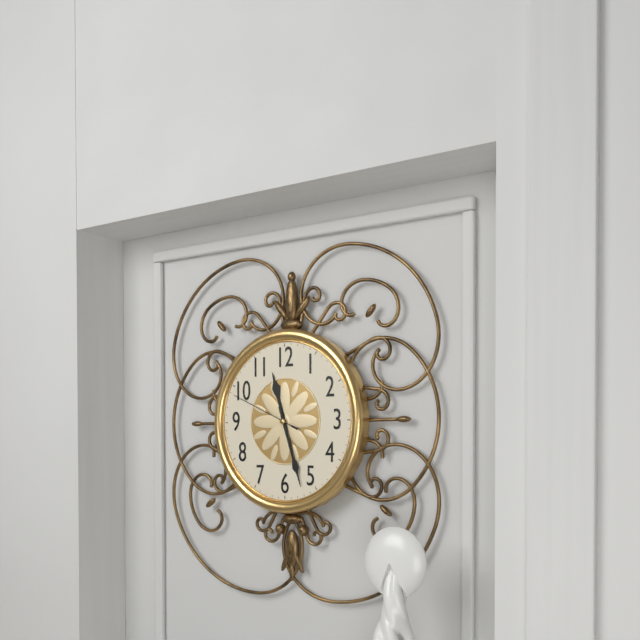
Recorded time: **11:27:49**
